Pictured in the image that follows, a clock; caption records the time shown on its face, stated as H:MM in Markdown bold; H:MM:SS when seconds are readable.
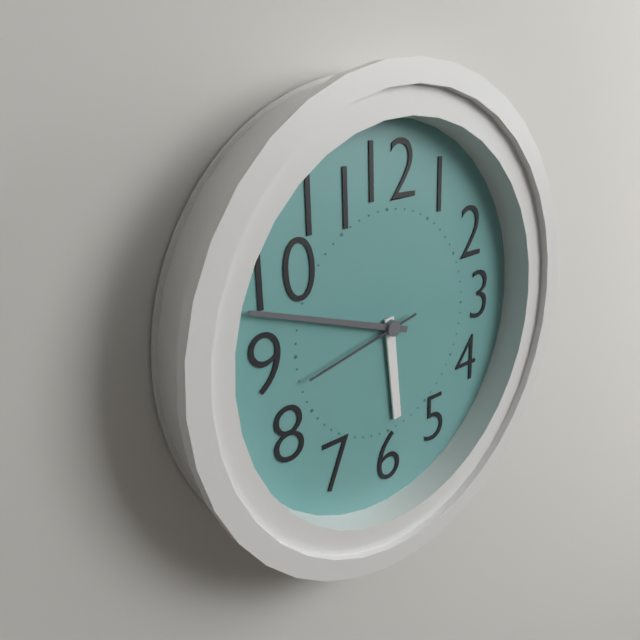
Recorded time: **5:48:43**
